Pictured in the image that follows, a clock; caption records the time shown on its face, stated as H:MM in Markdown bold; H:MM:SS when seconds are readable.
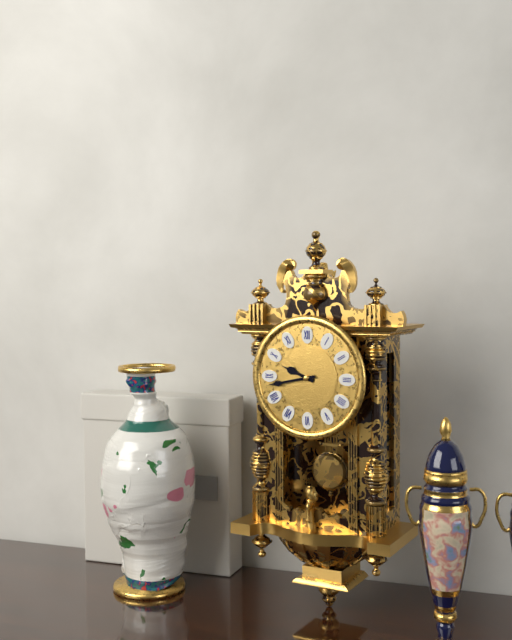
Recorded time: **9:43**
